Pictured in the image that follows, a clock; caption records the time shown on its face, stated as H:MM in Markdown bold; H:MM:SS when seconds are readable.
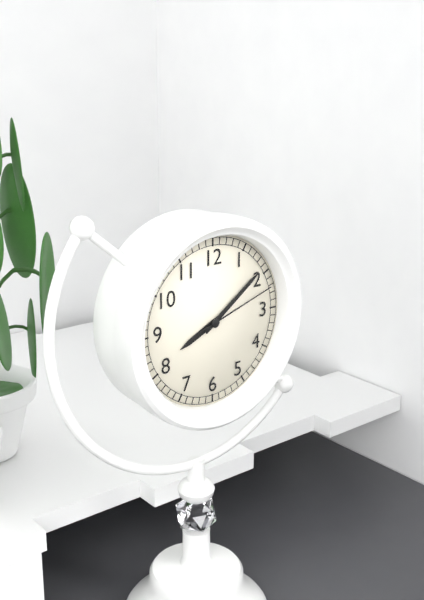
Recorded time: **8:09:12**
